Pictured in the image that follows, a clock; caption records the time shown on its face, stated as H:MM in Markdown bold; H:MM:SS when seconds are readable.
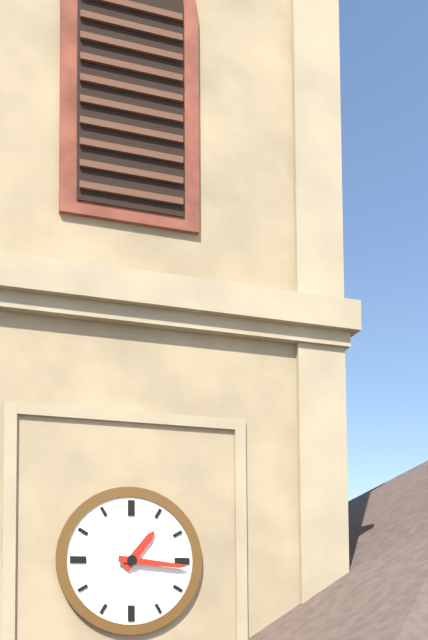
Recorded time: **1:16**
